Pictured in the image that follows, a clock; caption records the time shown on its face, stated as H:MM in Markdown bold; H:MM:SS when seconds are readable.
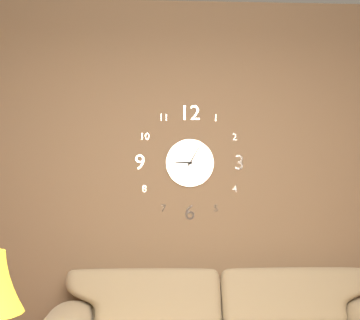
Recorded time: **9:05**
